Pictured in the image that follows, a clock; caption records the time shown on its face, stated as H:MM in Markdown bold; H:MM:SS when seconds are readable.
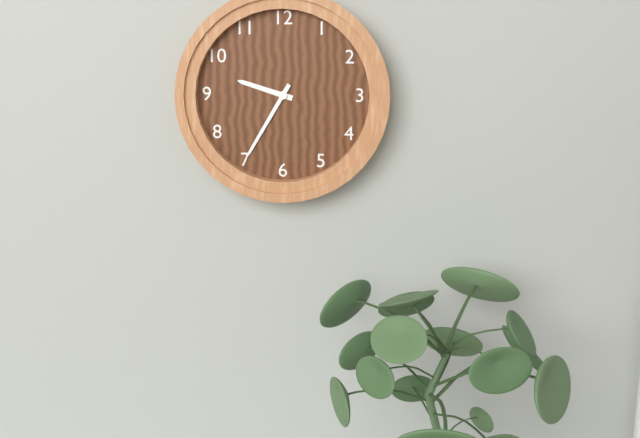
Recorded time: **9:35**
